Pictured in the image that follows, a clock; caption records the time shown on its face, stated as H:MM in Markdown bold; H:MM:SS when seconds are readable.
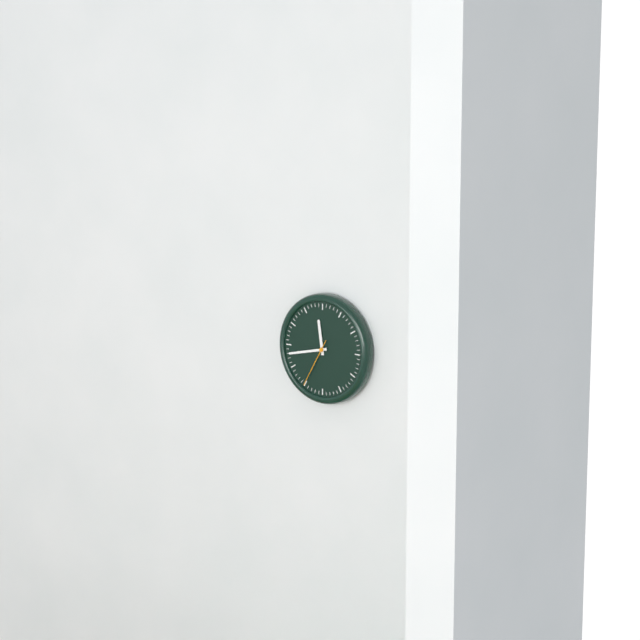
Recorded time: **11:43**
